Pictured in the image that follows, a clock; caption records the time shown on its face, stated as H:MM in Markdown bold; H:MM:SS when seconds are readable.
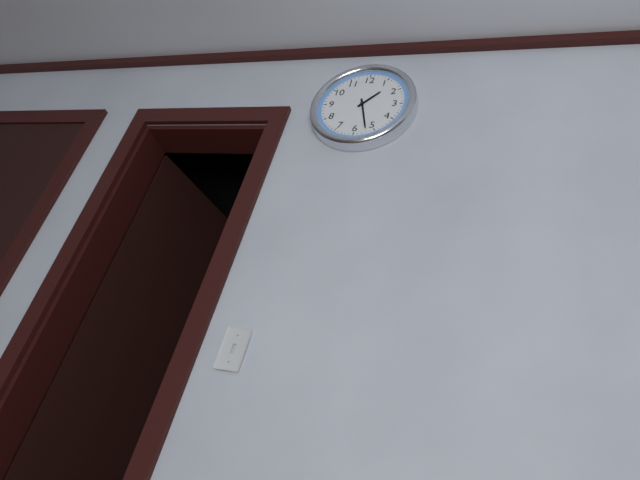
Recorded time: **1:27**
